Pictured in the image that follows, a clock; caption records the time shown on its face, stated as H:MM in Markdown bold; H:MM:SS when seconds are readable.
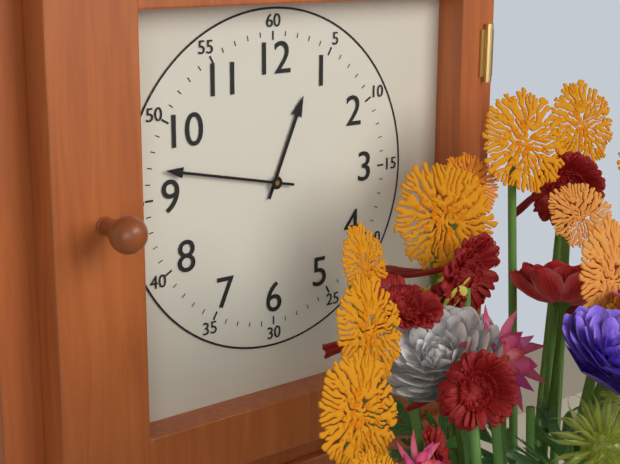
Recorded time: **12:47**
